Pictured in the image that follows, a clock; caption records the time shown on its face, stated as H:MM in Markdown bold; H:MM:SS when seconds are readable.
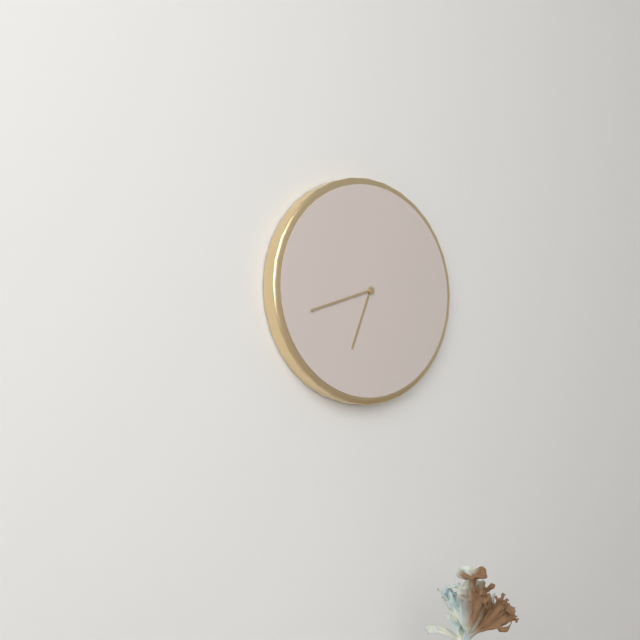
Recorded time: **6:42**
